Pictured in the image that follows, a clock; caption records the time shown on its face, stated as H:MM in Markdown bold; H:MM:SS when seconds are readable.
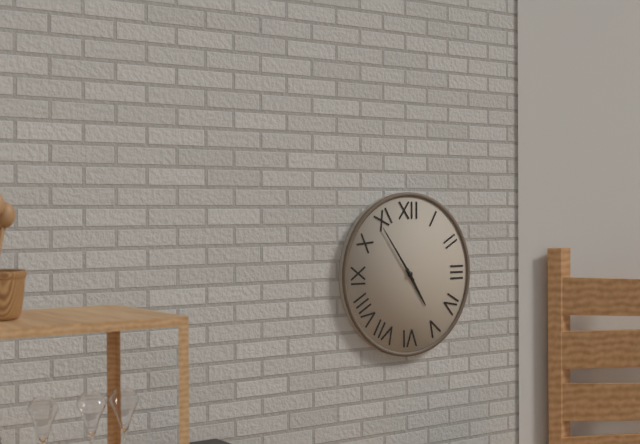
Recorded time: **4:54**
